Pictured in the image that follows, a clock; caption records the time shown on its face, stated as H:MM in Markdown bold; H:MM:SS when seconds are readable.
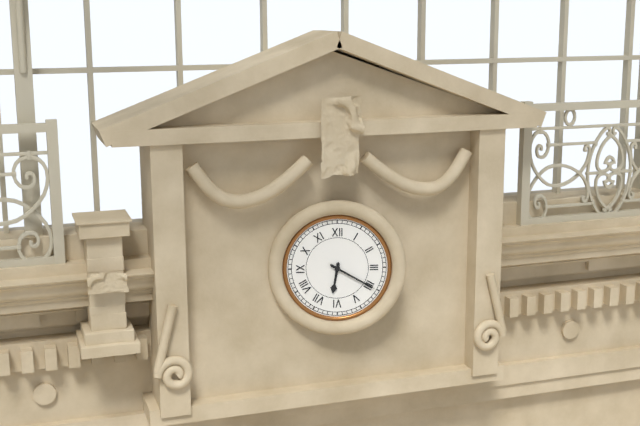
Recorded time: **6:20**
